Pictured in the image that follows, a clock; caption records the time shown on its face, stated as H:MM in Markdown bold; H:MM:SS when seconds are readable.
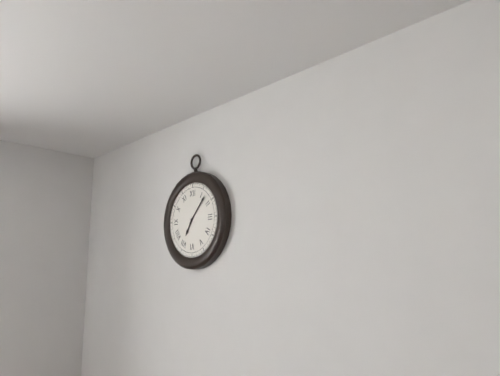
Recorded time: **7:07**
